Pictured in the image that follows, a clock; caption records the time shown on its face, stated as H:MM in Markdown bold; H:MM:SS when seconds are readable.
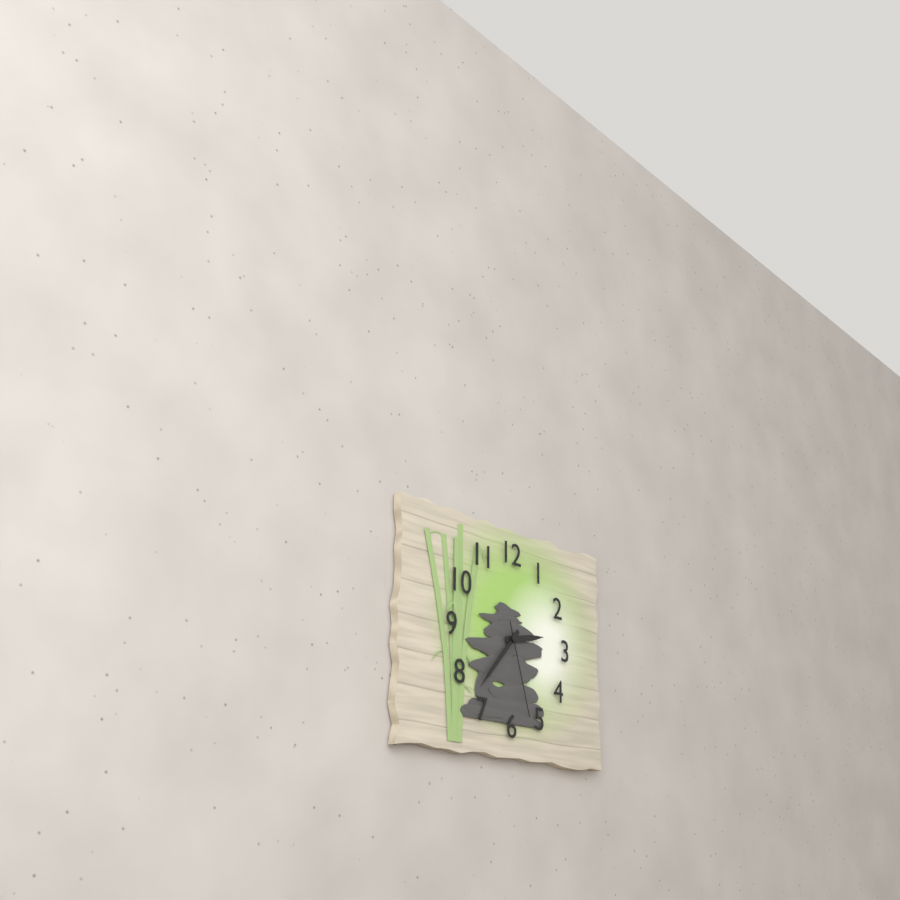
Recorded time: **2:37:27**
